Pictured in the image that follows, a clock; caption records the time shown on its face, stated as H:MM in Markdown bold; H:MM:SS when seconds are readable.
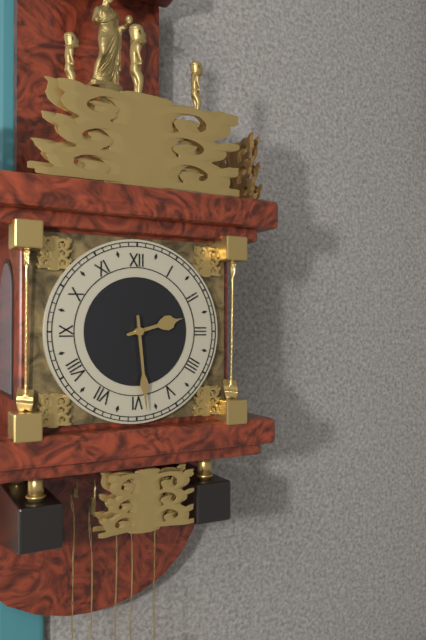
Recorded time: **2:29**
